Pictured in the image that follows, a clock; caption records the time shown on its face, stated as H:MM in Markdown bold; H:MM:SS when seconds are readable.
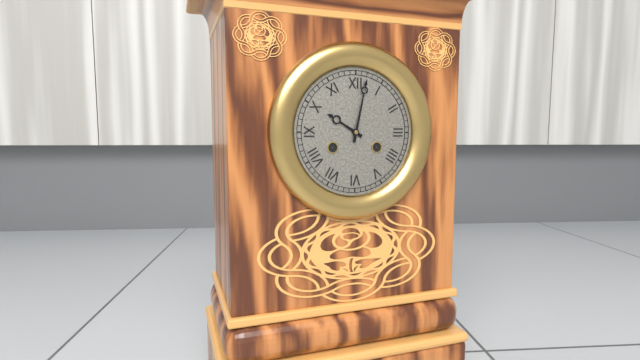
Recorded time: **10:02**
